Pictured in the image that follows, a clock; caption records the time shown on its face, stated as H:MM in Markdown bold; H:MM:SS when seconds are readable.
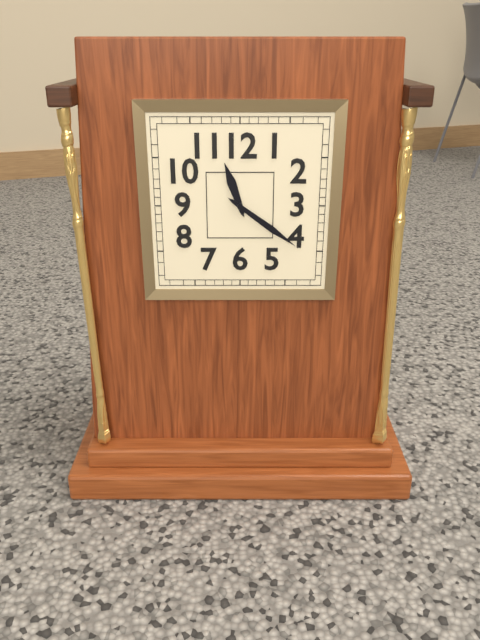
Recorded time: **11:21**
